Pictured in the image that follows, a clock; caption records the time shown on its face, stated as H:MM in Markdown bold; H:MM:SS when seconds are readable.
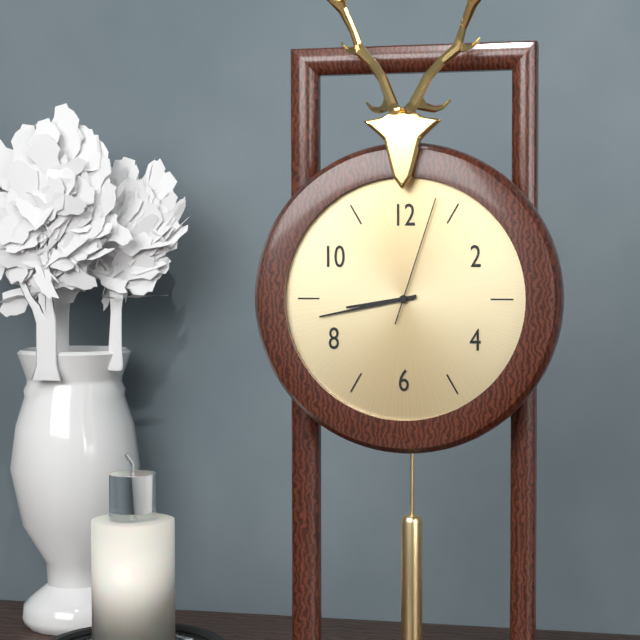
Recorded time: **8:43:03**
